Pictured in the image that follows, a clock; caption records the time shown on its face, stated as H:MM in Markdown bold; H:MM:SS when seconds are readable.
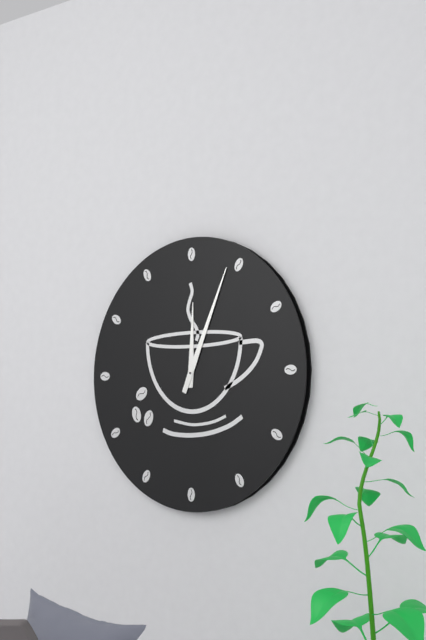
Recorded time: **12:04**
